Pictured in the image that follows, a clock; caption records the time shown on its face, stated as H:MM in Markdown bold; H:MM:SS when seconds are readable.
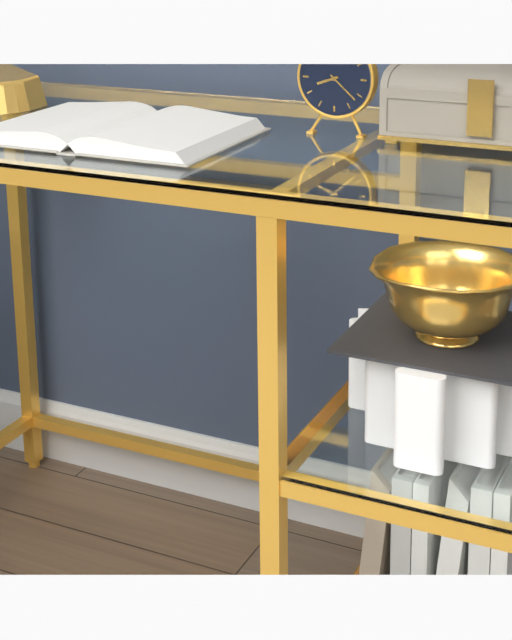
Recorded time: **8:22**
